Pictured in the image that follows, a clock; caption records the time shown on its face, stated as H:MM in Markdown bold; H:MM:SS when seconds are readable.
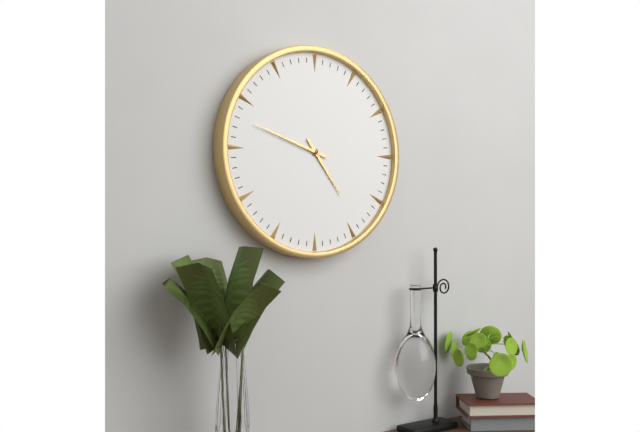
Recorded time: **4:48**
